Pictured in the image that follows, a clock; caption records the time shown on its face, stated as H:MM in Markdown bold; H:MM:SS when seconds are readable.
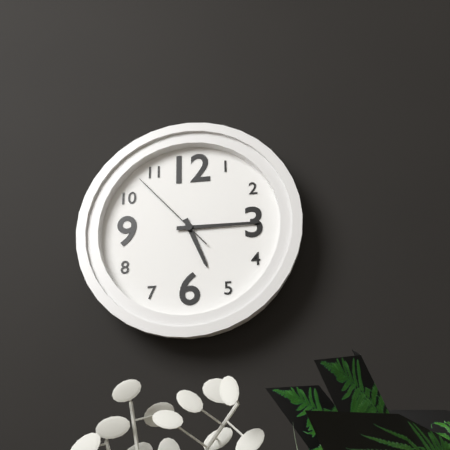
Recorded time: **5:15:53**
